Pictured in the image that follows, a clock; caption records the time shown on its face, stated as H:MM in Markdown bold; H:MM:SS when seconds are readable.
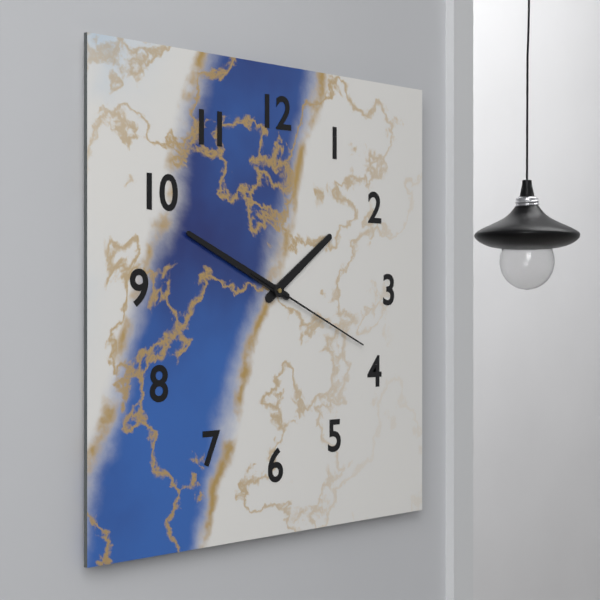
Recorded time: **1:49:19**
